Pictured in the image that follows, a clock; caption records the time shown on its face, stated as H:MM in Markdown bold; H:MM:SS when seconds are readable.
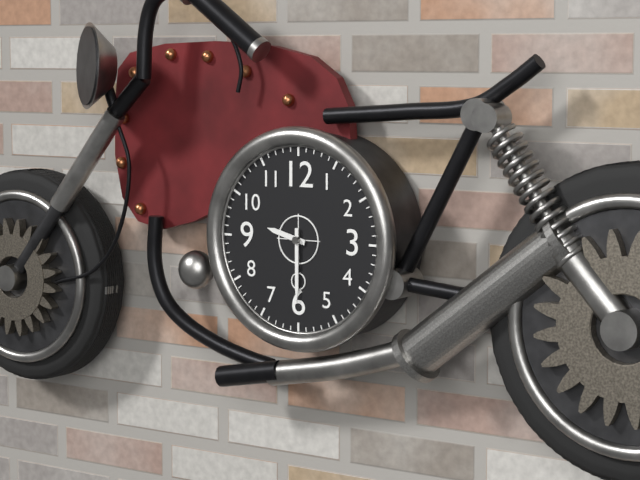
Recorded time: **9:30**
